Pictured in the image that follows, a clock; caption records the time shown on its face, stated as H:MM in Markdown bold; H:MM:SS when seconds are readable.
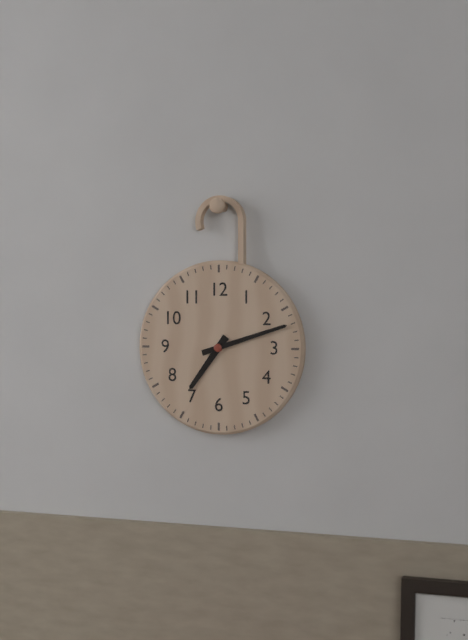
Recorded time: **7:12**
